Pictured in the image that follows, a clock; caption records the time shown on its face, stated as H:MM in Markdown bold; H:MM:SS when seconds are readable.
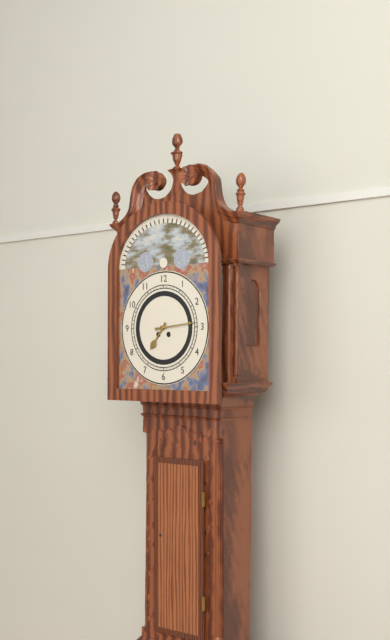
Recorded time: **7:14**
